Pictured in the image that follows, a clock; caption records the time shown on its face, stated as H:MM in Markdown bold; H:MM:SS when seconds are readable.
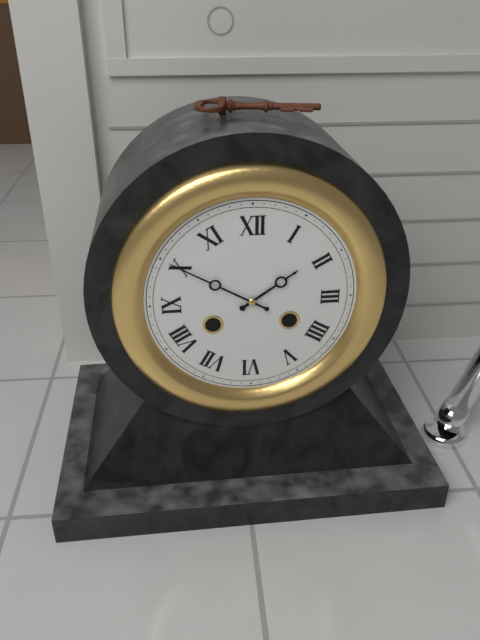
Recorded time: **1:50**
